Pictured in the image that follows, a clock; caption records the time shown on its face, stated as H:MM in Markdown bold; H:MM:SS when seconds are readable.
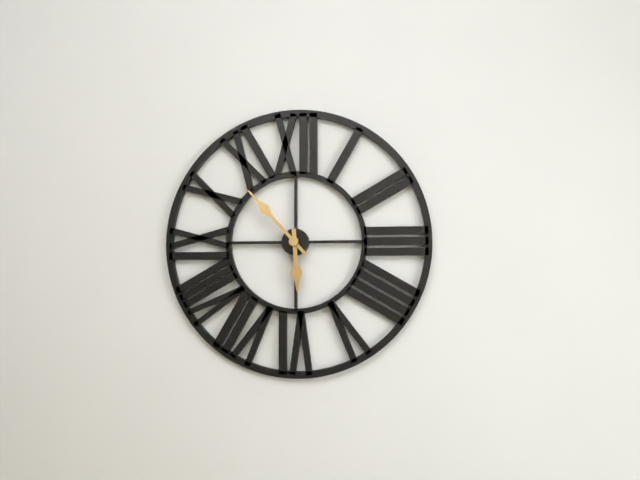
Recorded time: **5:53**
